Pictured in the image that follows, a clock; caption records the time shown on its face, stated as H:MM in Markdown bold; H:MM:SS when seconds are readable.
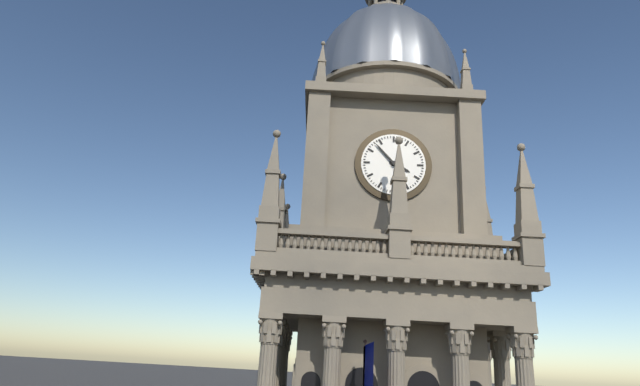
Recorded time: **3:53**
